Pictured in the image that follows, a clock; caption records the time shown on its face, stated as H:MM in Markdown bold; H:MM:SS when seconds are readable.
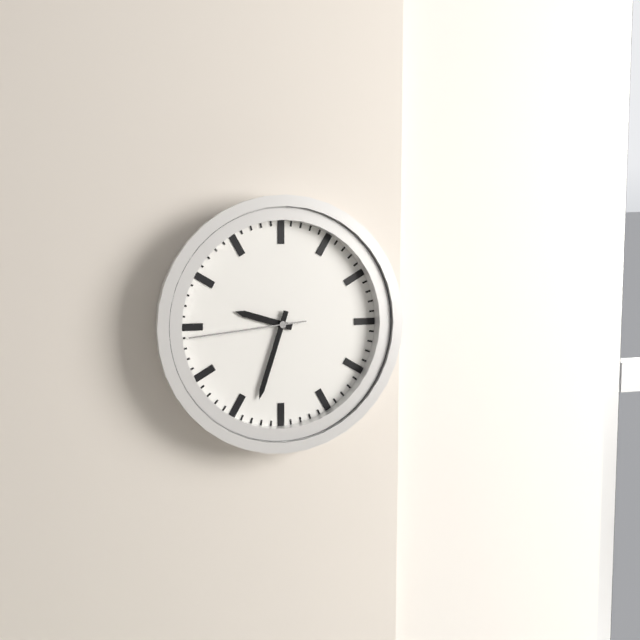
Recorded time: **9:33:44**
